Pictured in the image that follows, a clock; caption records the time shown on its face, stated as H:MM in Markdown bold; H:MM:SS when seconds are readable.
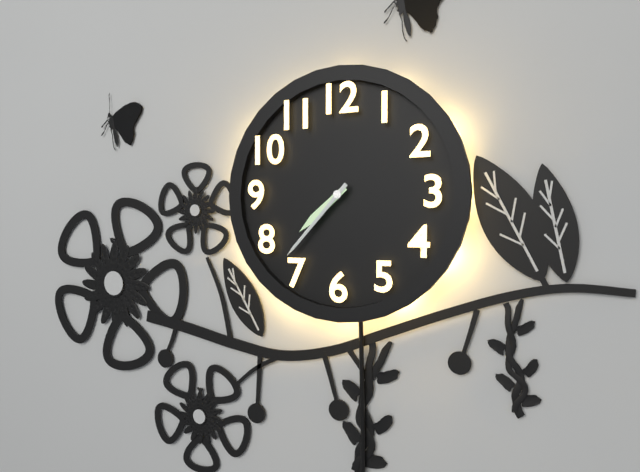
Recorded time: **7:37**
